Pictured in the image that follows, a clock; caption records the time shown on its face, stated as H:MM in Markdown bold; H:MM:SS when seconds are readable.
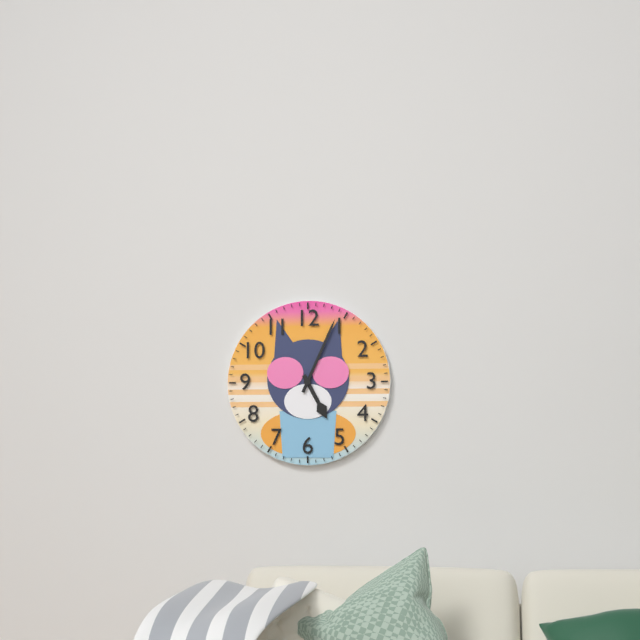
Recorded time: **5:04**
